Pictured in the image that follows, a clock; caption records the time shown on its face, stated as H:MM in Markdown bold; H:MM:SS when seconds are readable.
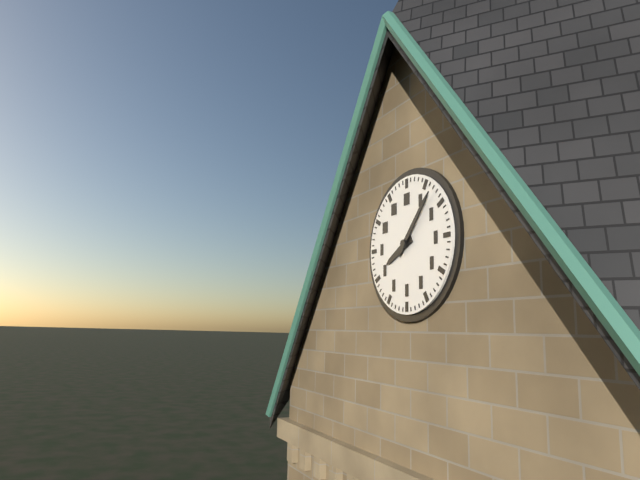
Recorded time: **8:07**
